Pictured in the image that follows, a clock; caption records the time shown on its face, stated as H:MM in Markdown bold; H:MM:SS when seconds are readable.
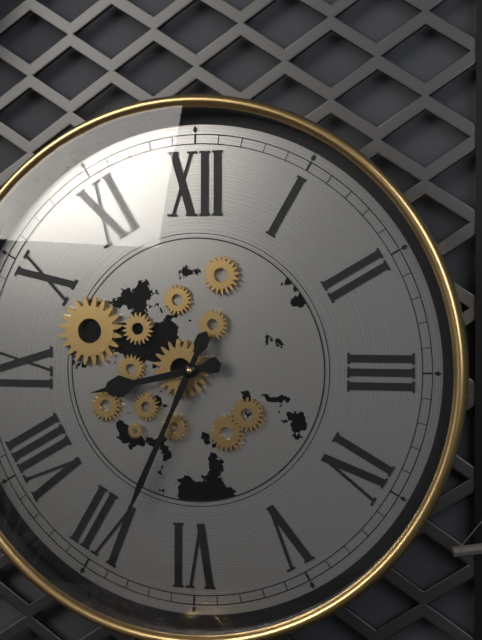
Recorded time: **8:34**
